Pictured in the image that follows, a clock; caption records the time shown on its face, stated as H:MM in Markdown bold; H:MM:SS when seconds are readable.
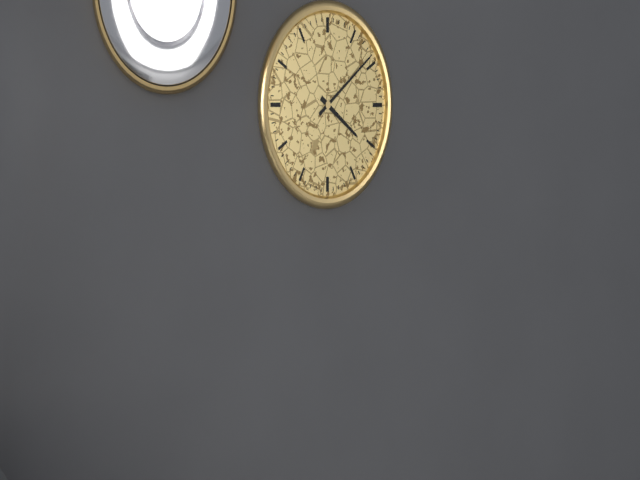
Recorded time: **4:09**
